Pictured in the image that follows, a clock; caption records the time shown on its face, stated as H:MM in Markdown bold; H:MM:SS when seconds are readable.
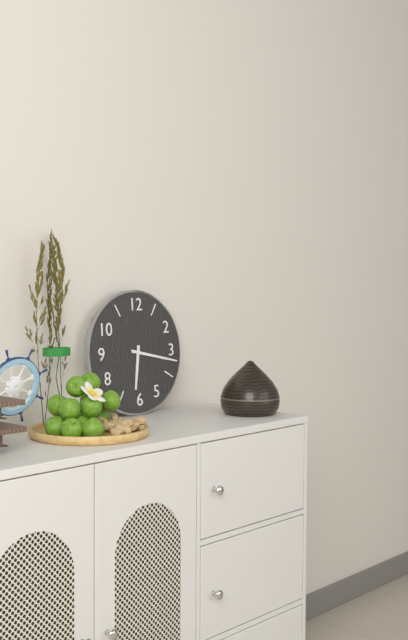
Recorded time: **6:17**
